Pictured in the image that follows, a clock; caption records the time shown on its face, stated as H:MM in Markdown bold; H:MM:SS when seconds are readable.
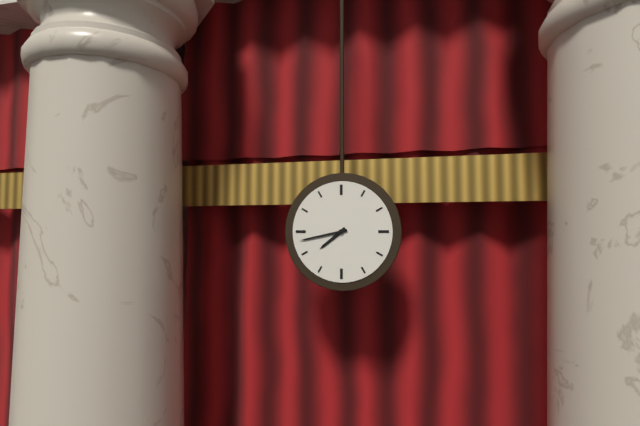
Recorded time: **7:43**
